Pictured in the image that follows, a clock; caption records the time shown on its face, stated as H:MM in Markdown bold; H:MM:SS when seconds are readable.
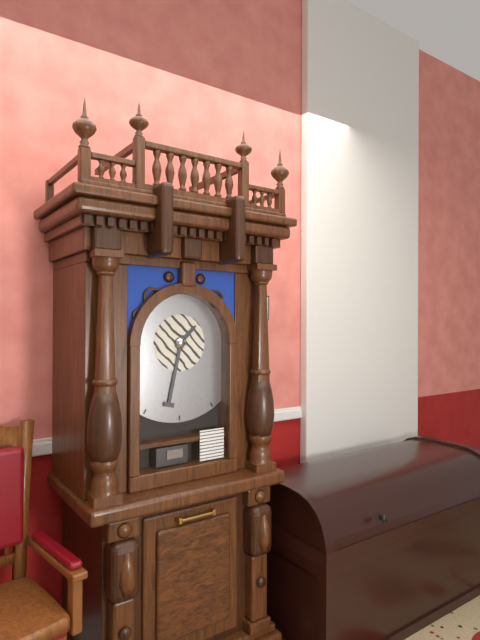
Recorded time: **1:32**
